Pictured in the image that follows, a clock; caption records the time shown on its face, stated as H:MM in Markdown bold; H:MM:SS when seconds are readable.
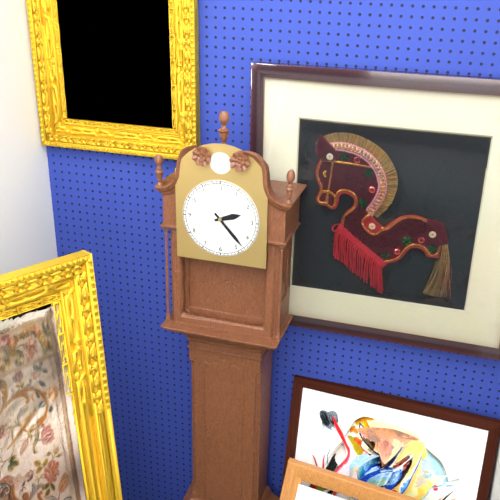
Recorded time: **2:23**
